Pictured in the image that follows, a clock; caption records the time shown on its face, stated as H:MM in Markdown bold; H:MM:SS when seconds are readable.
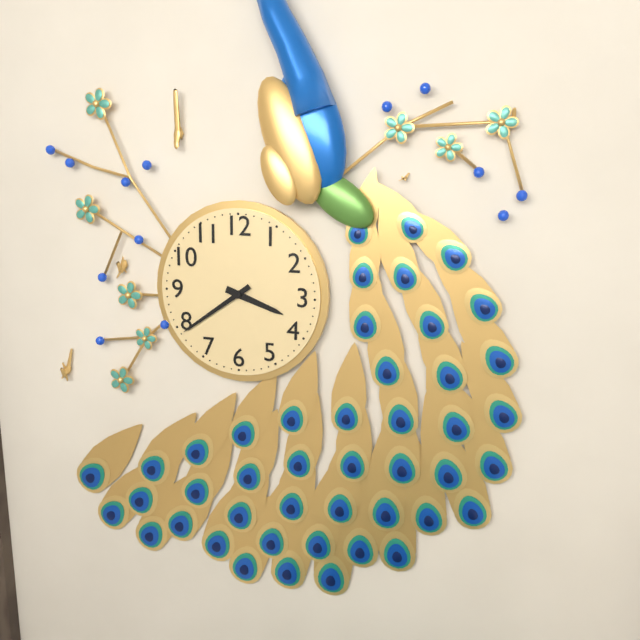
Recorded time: **3:39**
